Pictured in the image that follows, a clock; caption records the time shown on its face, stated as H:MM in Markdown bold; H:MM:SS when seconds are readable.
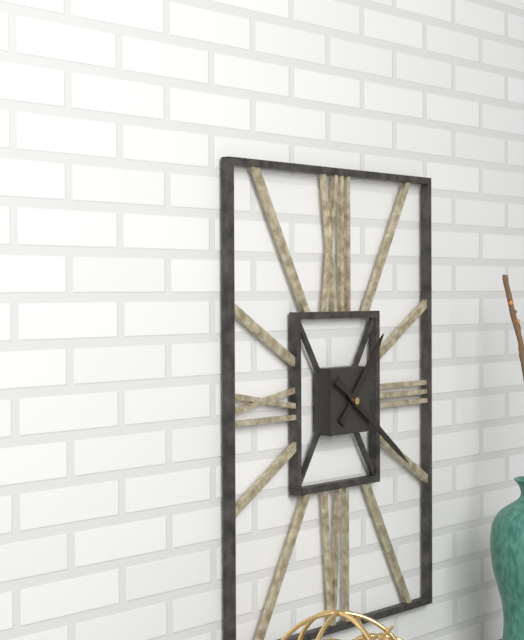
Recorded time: **1:21**
